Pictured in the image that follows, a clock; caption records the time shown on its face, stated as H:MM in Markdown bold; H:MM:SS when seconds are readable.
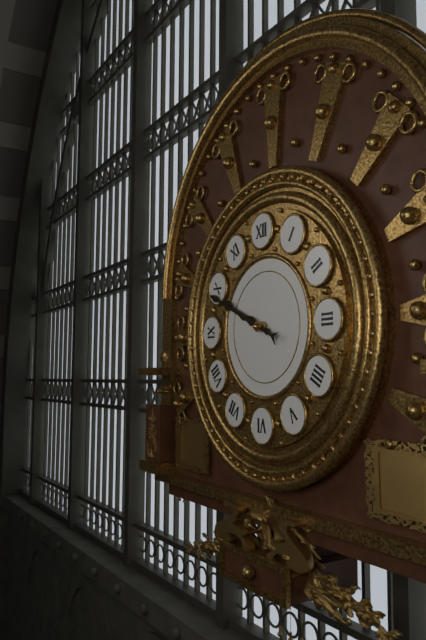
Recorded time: **9:49**
